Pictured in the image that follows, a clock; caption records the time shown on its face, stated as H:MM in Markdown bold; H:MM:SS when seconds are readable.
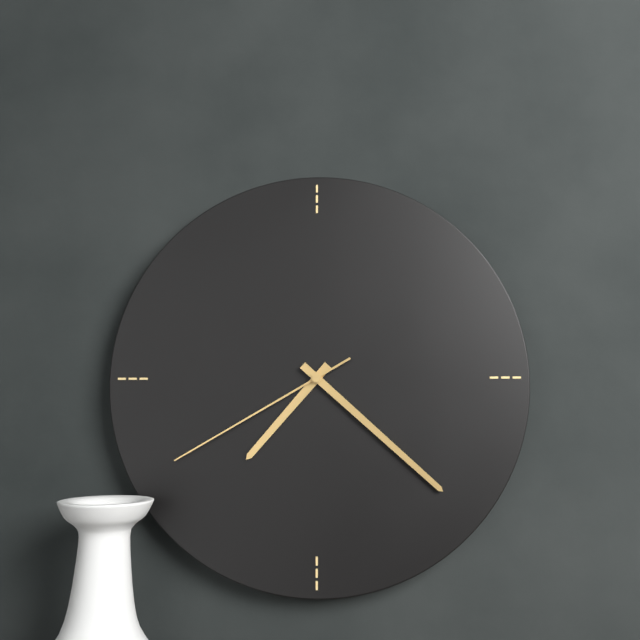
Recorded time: **7:22:40**
